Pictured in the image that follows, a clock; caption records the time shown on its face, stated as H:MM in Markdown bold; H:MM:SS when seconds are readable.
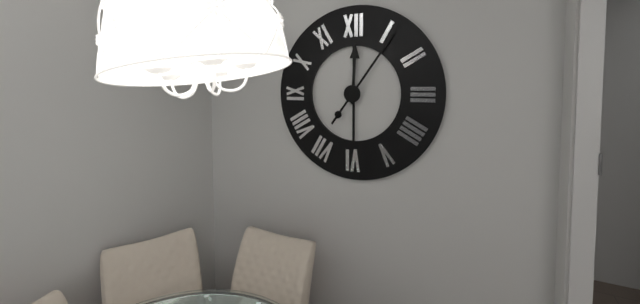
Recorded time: **12:06**
